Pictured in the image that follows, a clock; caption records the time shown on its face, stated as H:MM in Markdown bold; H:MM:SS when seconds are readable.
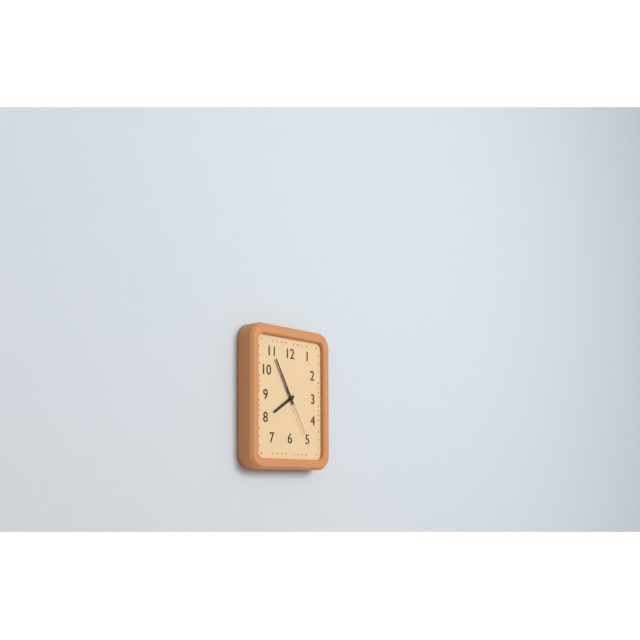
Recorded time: **7:55**
